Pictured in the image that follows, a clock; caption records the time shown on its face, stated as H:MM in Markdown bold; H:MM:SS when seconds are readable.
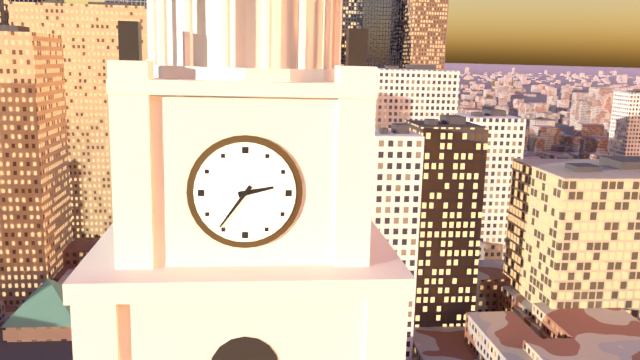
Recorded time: **2:36**
